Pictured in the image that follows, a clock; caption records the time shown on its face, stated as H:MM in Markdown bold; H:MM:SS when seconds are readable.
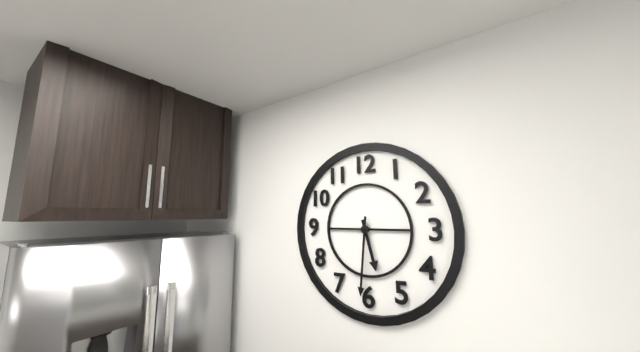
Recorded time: **5:31**
